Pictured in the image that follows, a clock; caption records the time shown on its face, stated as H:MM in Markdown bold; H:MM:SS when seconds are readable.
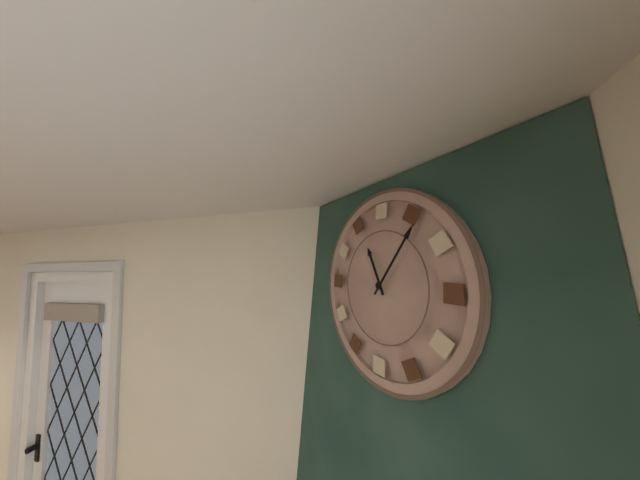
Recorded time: **11:06**
